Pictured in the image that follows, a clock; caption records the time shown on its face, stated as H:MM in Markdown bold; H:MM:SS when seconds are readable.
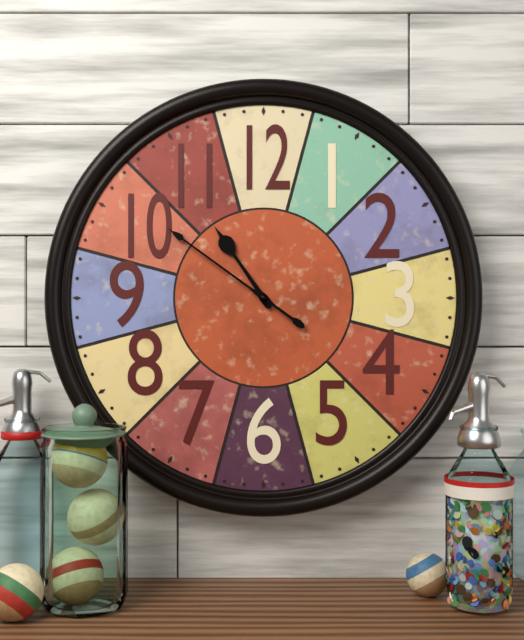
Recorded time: **10:51**
